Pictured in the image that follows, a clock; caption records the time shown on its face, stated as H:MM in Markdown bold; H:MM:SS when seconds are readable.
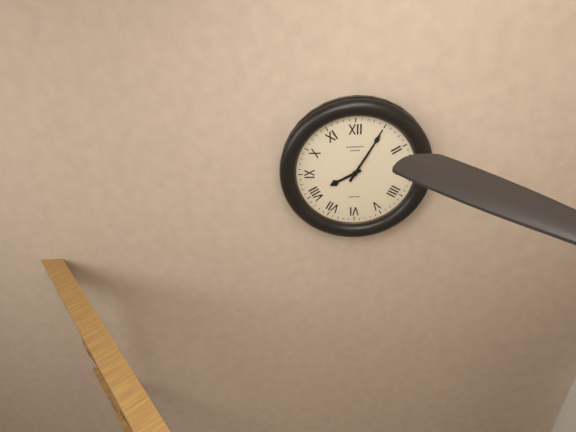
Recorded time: **8:05**
